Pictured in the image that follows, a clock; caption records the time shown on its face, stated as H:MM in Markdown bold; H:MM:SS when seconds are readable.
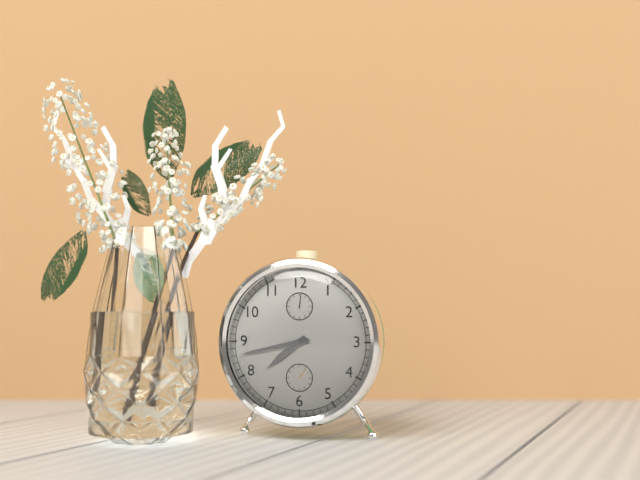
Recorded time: **7:43**
